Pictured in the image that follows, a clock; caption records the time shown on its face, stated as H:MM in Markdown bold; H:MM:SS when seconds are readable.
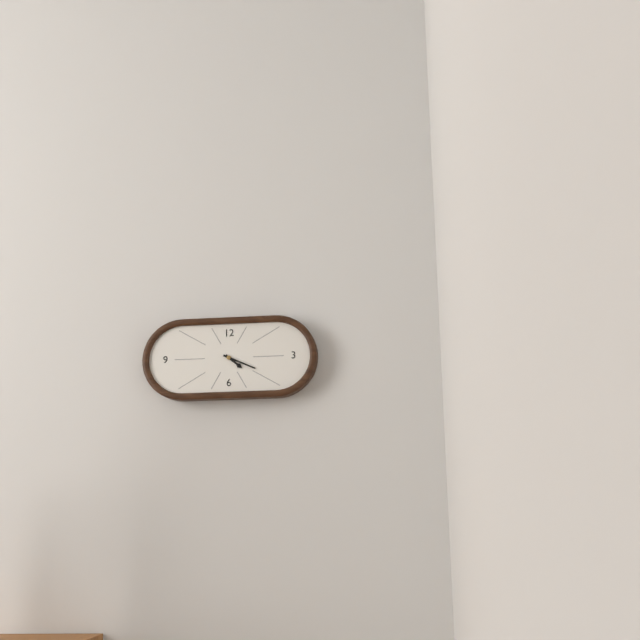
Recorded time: **4:19**
